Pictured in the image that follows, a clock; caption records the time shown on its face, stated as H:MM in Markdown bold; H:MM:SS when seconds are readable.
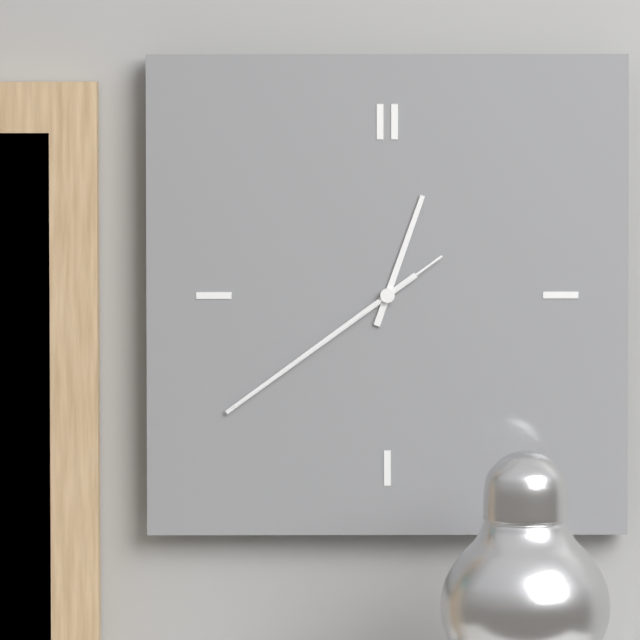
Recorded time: **12:39:39**
